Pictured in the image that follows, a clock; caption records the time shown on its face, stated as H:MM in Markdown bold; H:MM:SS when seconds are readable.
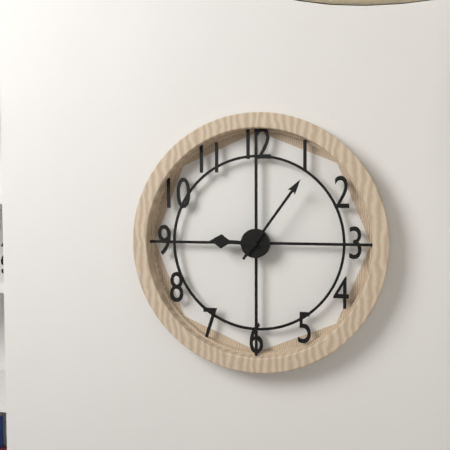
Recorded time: **9:06**
